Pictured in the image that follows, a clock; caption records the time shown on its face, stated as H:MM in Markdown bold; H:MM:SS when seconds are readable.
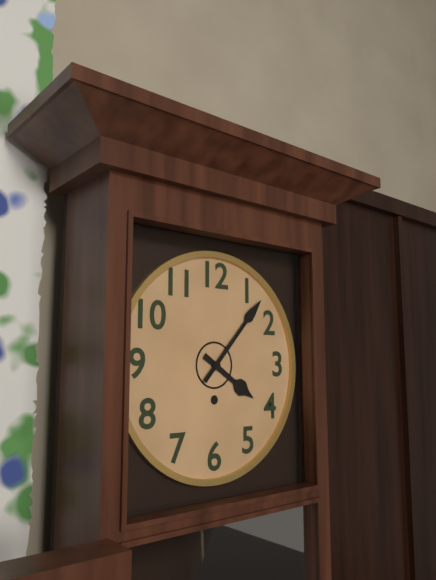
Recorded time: **4:07**
